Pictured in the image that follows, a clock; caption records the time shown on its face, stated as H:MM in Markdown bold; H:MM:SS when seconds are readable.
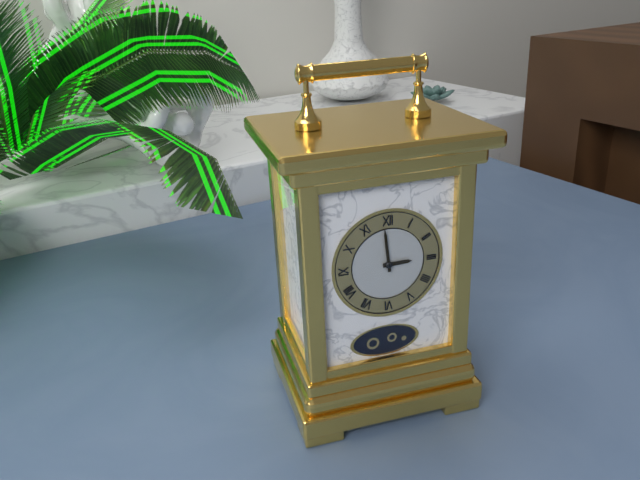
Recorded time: **2:59**
